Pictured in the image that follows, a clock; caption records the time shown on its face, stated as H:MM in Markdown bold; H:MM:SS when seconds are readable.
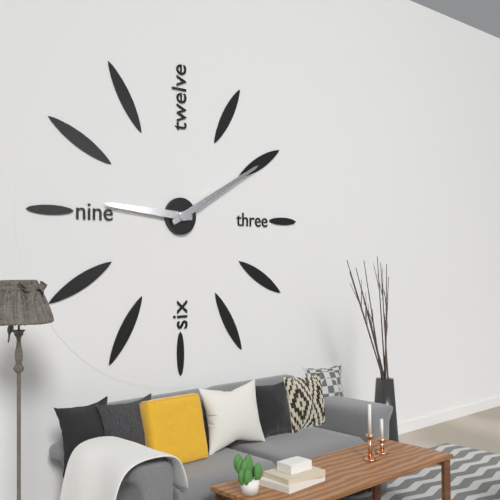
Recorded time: **9:10**
